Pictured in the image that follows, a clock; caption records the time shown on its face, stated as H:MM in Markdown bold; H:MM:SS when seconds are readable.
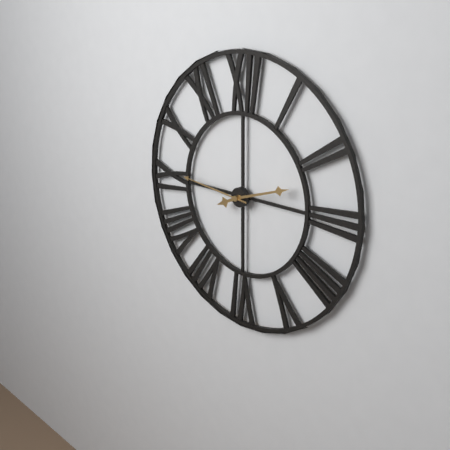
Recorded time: **8:12:46**
